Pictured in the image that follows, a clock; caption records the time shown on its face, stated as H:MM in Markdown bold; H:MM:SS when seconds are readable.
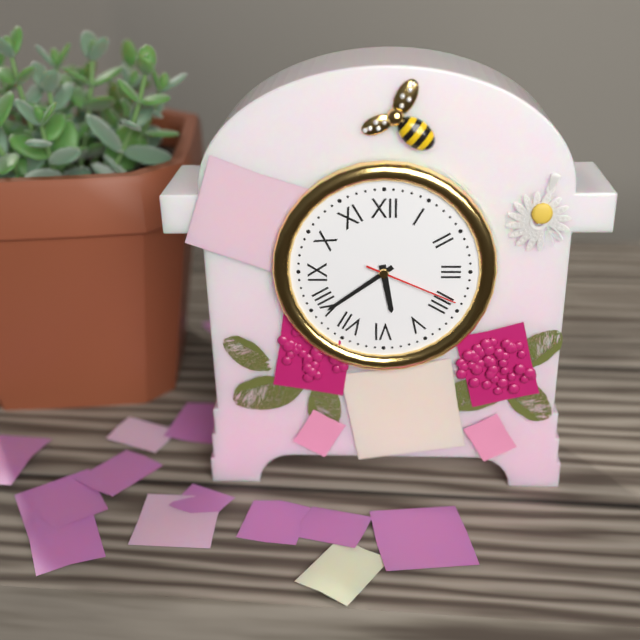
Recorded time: **5:39:19**
